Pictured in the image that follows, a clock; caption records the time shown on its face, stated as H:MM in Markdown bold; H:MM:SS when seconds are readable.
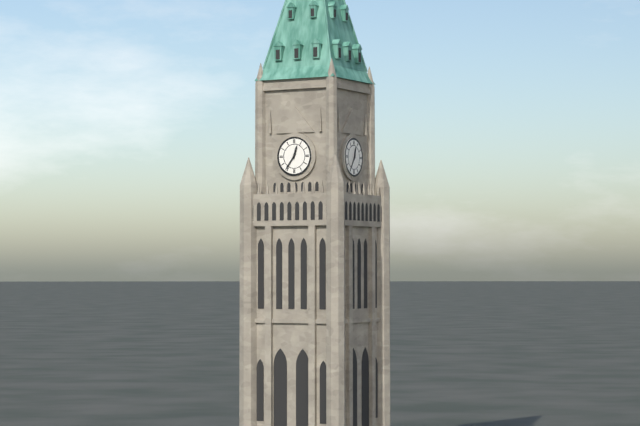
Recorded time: **12:36**
